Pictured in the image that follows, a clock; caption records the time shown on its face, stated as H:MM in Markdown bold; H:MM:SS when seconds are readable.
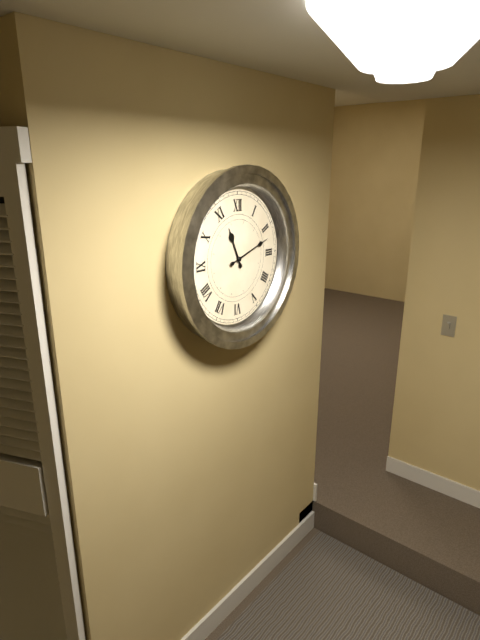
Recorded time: **11:12**
